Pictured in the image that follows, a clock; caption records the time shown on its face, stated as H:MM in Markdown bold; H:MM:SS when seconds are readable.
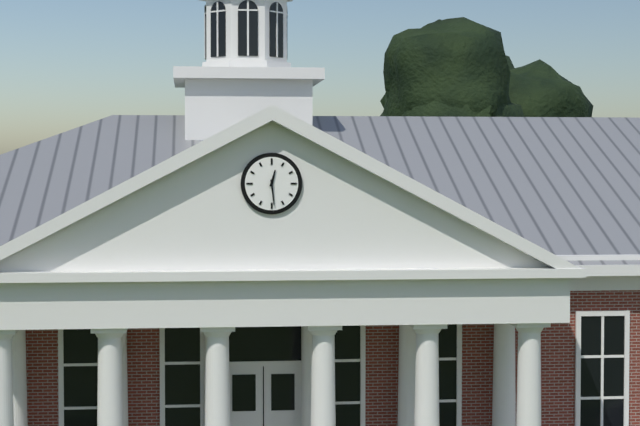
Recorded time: **12:29**
